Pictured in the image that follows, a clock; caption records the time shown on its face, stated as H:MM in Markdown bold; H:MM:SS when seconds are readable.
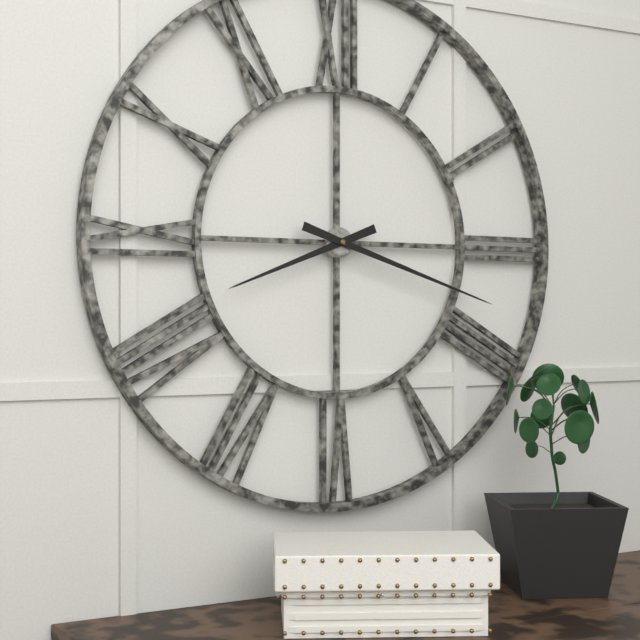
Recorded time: **8:18**
